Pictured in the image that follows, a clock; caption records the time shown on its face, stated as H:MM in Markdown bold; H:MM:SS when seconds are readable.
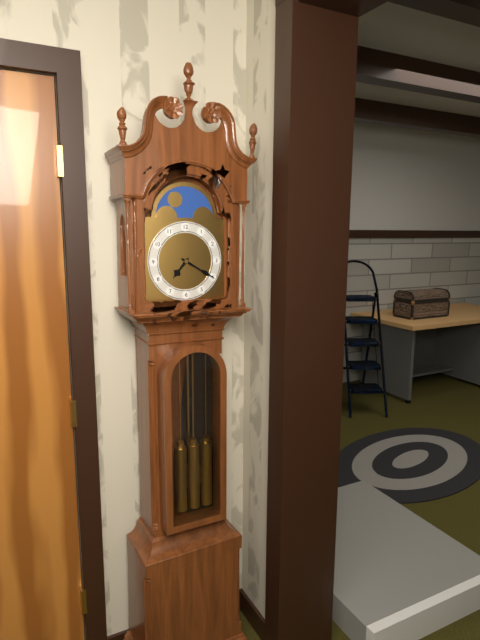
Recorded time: **7:20**
